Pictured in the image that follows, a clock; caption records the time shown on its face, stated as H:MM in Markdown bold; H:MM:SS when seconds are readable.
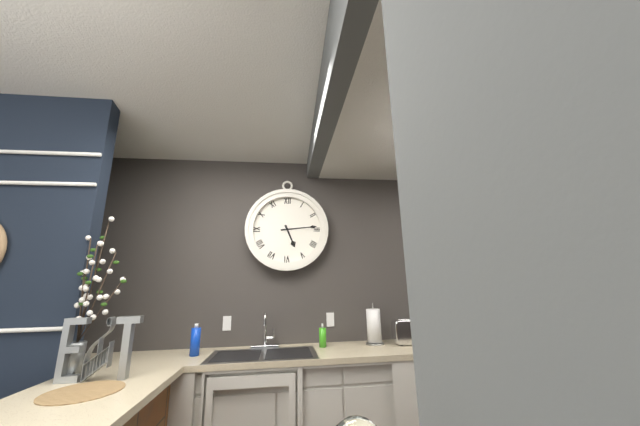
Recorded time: **5:14**
